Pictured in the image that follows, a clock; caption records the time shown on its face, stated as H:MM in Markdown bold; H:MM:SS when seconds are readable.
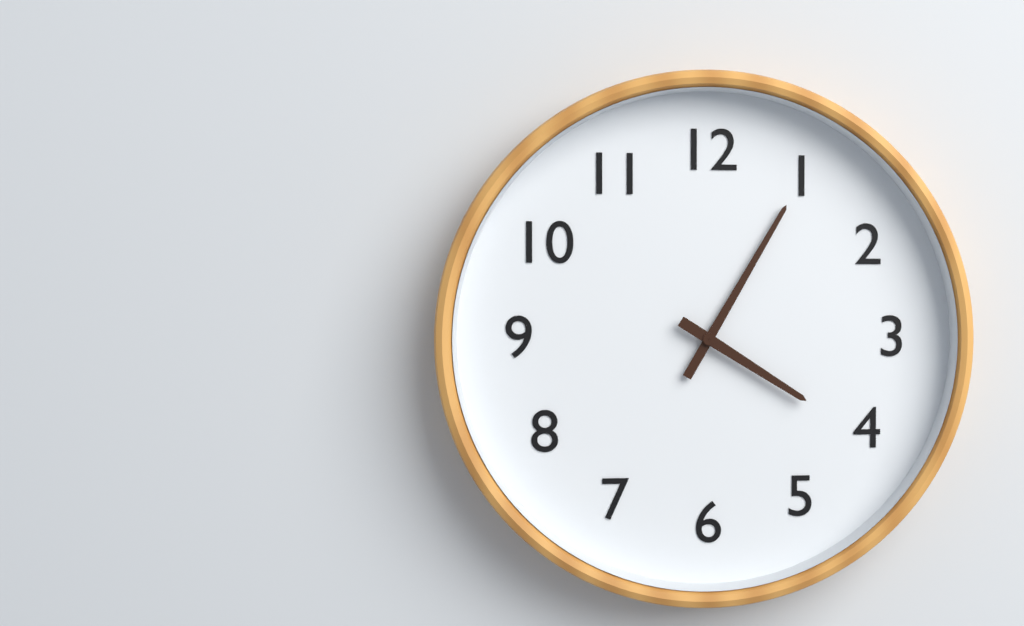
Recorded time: **4:05**
